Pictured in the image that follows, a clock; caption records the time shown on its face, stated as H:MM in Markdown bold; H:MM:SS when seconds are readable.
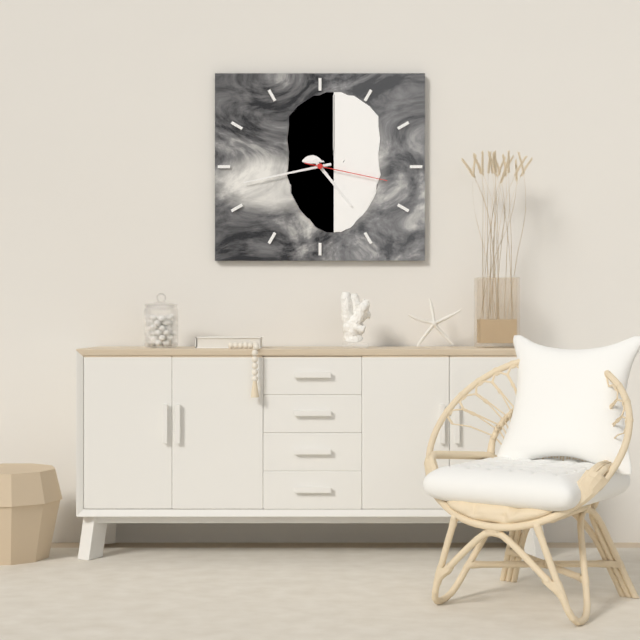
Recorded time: **4:43:17**
